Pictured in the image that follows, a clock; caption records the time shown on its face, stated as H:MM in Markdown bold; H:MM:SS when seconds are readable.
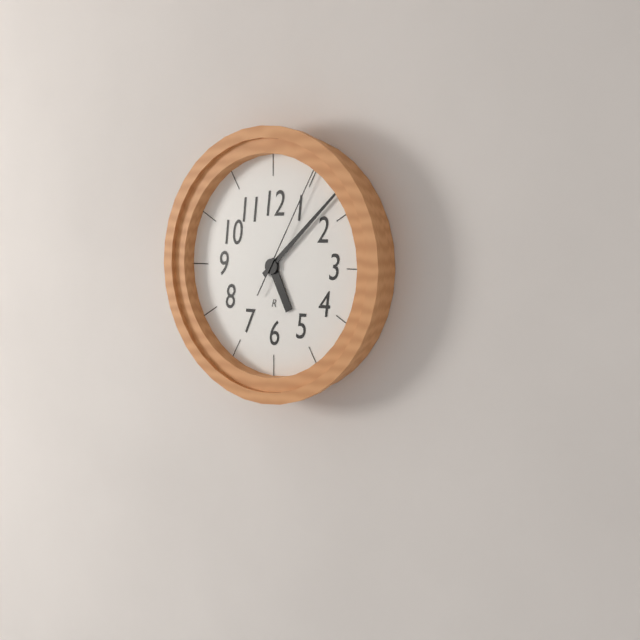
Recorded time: **5:08:05**
